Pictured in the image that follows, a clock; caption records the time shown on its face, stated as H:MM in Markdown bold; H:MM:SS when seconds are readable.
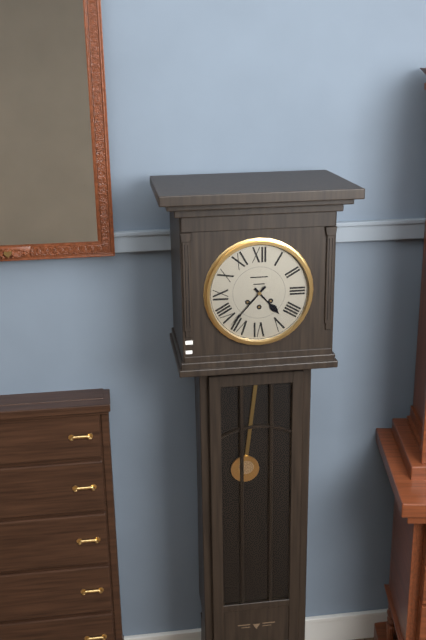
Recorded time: **4:37**
